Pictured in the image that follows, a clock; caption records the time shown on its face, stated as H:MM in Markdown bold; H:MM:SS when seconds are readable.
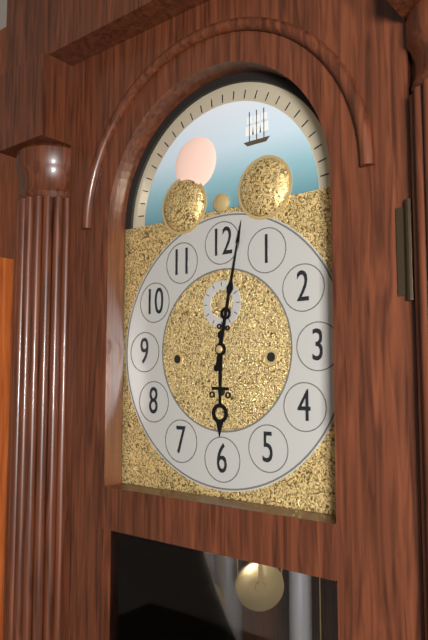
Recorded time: **6:02**
